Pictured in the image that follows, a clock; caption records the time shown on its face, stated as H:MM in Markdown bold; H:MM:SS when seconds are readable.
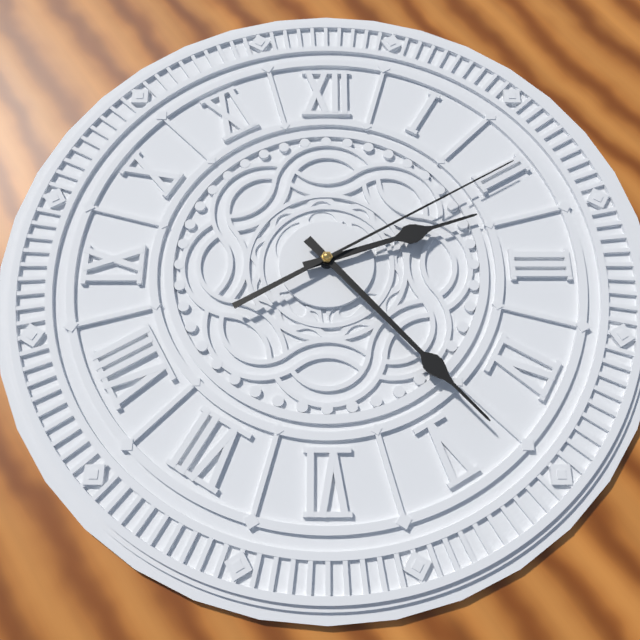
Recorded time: **2:23:10**
